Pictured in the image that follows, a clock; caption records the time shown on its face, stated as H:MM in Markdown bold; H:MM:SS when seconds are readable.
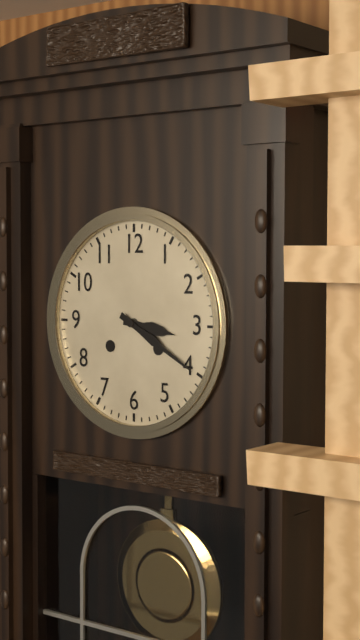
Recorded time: **3:20**
